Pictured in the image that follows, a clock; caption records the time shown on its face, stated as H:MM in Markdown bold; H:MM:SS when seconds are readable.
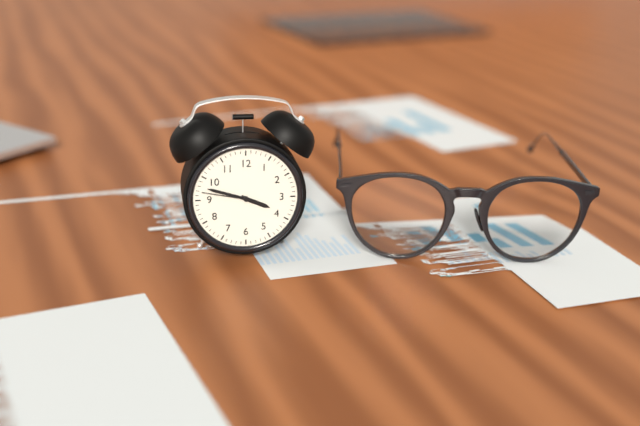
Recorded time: **3:48:47**
